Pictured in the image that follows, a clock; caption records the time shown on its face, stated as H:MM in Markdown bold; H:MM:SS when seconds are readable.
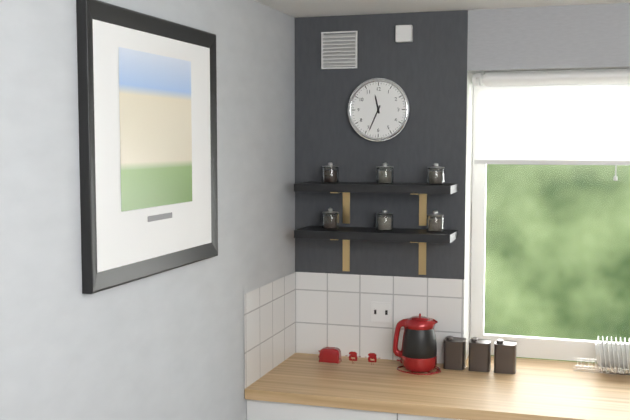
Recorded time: **11:34**
